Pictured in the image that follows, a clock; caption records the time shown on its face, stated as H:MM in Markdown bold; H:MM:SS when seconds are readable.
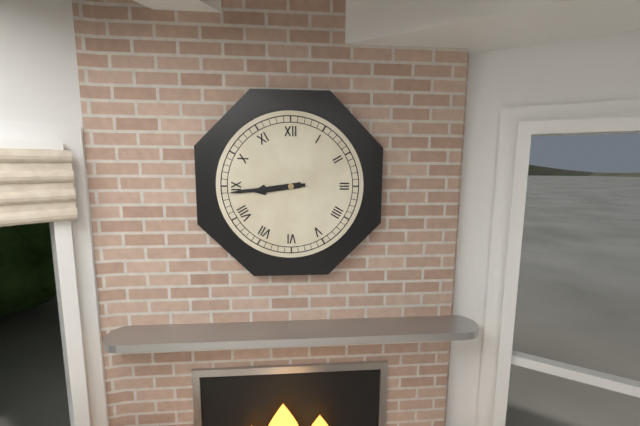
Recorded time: **8:44**
